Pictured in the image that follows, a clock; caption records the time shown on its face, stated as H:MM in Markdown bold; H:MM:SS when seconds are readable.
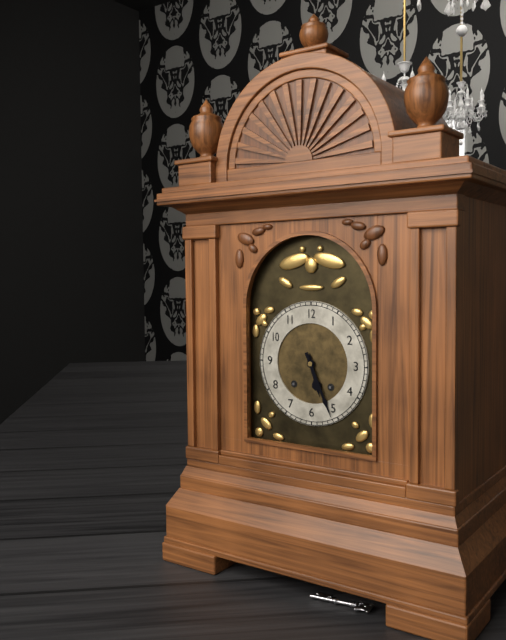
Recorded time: **5:26**
